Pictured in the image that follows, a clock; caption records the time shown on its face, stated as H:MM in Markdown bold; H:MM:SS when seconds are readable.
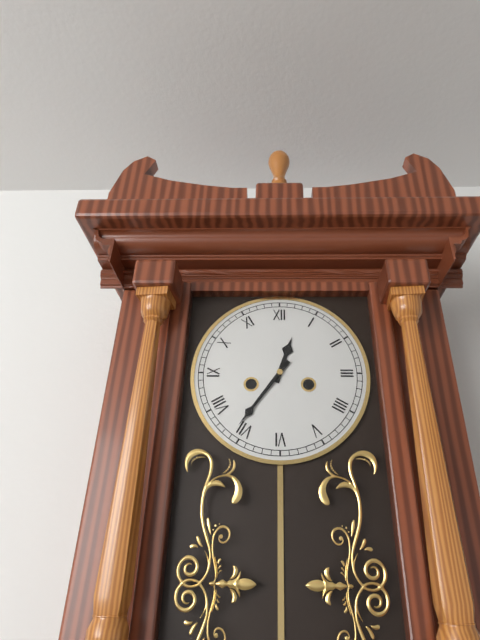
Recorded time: **12:36**
